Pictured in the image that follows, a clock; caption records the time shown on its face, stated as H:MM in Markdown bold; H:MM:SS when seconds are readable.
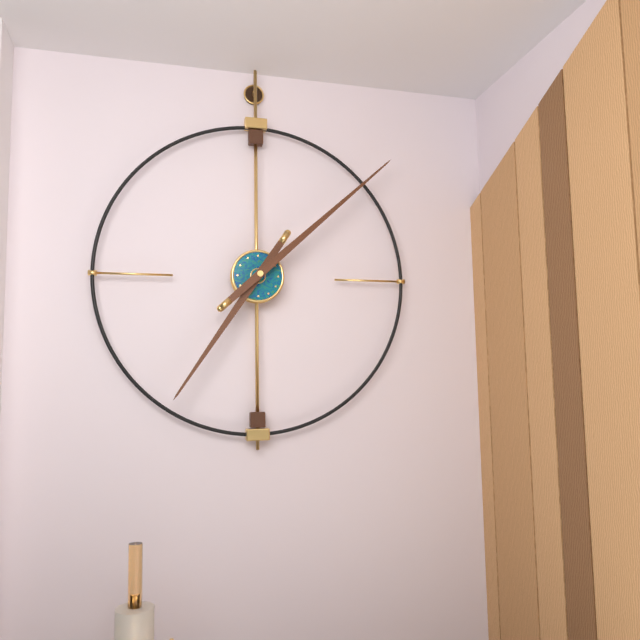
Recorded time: **7:08**
